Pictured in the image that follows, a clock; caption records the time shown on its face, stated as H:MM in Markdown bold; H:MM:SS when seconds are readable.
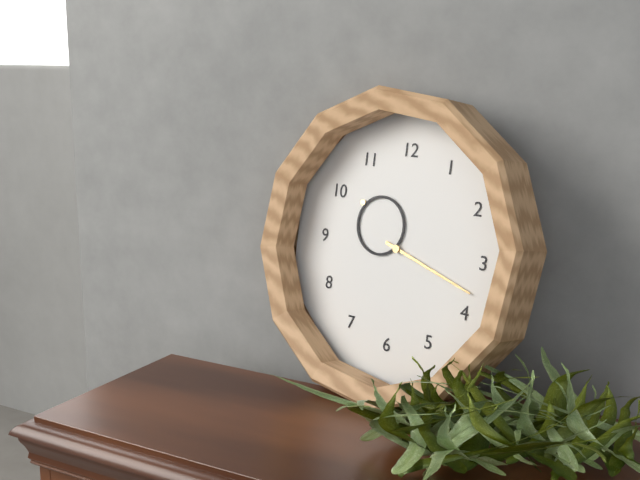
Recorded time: **10:18**
